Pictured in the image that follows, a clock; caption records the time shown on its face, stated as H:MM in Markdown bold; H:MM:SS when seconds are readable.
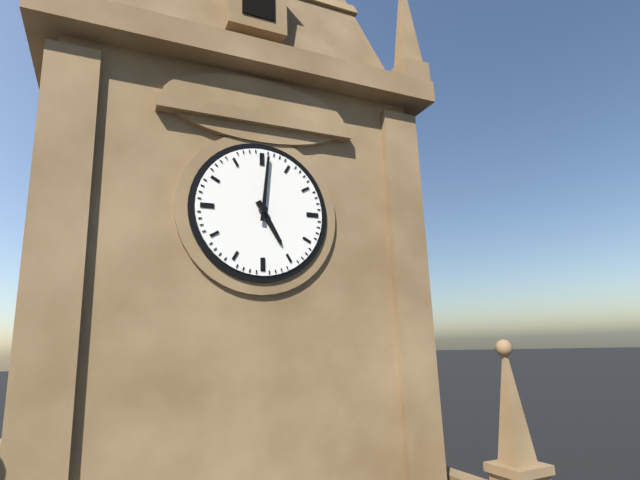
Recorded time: **5:01**
